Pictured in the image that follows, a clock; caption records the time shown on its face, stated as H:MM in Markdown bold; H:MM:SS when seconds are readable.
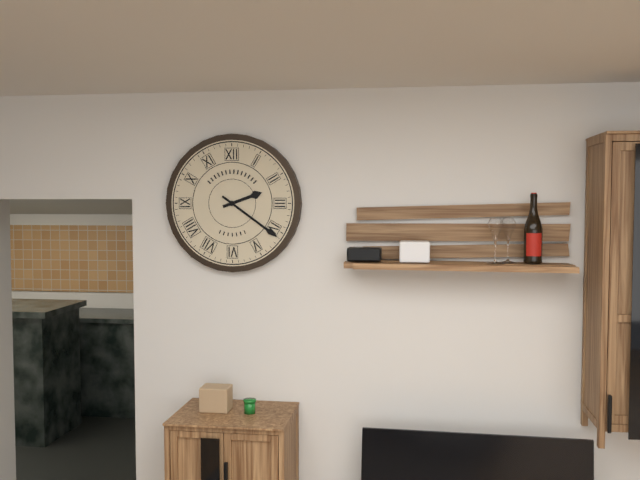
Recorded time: **2:21**
